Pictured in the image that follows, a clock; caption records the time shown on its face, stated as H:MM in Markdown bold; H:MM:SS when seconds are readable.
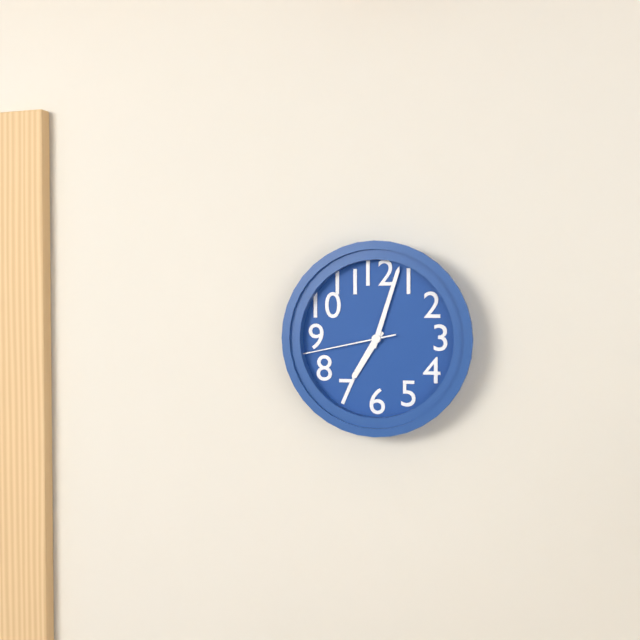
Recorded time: **7:03:43**
